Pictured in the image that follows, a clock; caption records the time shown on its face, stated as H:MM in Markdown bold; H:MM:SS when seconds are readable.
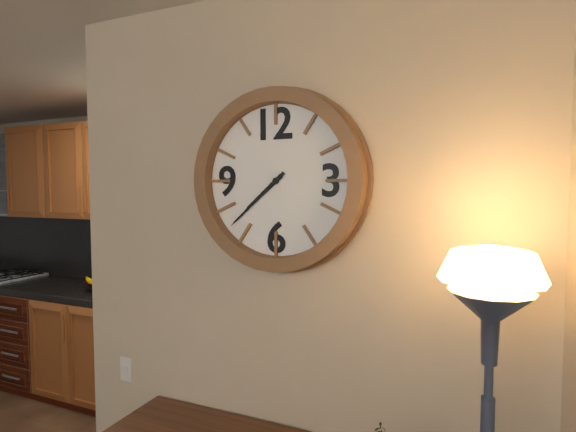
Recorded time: **7:38**
